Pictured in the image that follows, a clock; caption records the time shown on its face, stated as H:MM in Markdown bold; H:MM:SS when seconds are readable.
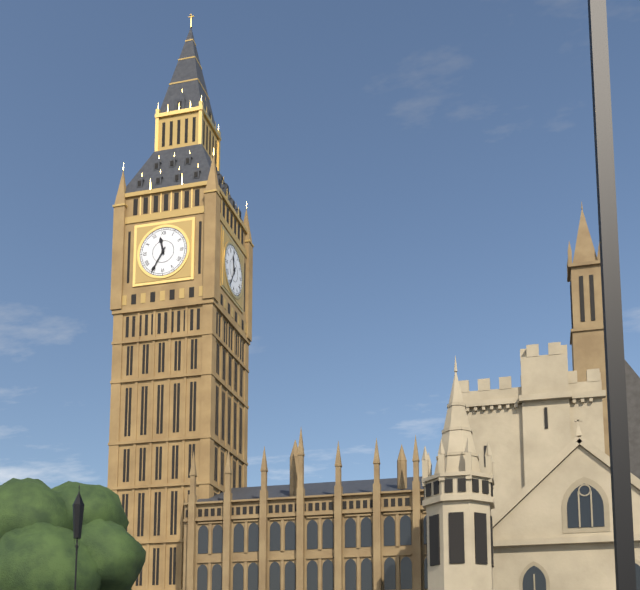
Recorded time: **11:35**
